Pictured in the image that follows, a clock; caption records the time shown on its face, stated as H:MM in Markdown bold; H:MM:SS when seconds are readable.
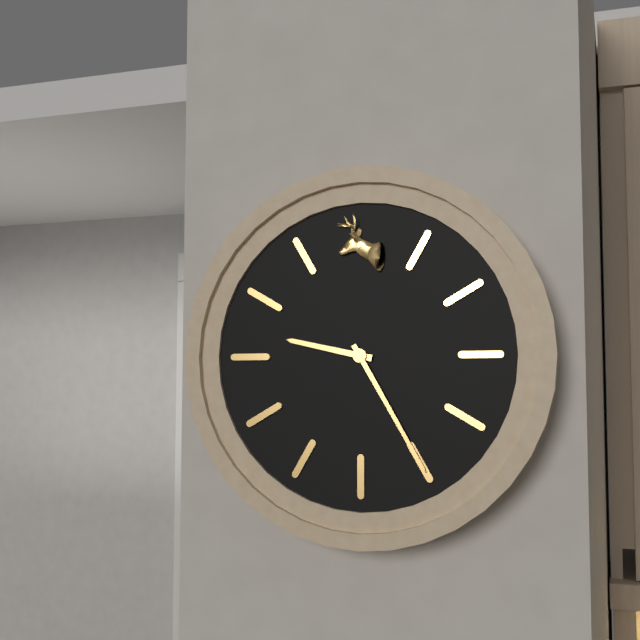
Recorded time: **9:25**
